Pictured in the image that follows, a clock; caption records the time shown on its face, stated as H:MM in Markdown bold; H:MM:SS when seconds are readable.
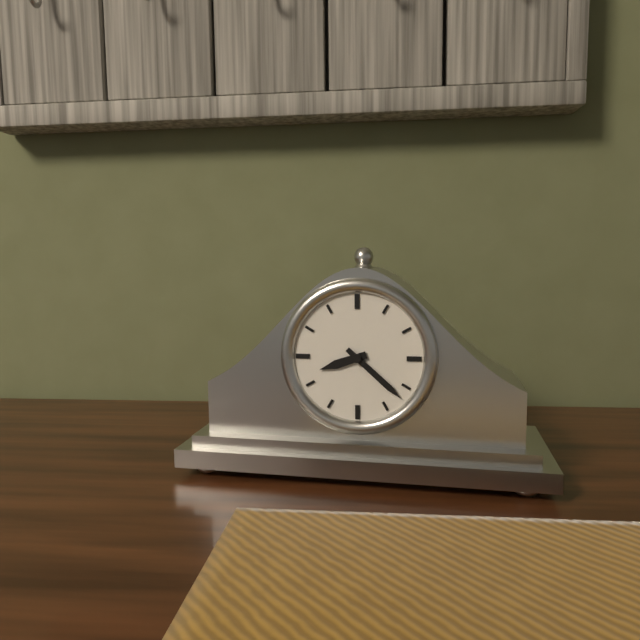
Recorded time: **8:22**
